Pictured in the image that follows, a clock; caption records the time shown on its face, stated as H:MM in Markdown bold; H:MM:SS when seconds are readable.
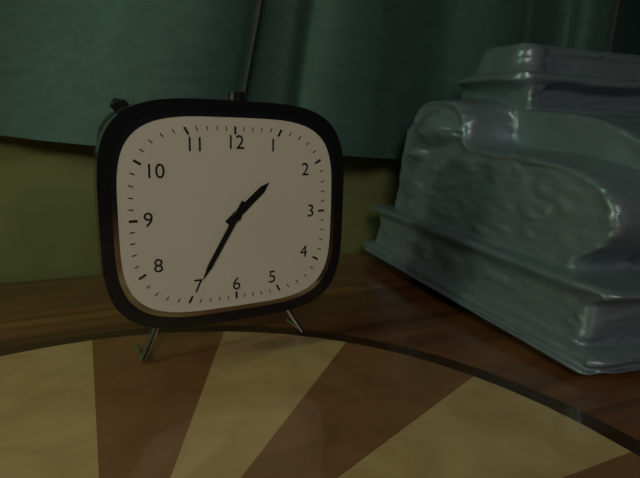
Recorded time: **1:35**
